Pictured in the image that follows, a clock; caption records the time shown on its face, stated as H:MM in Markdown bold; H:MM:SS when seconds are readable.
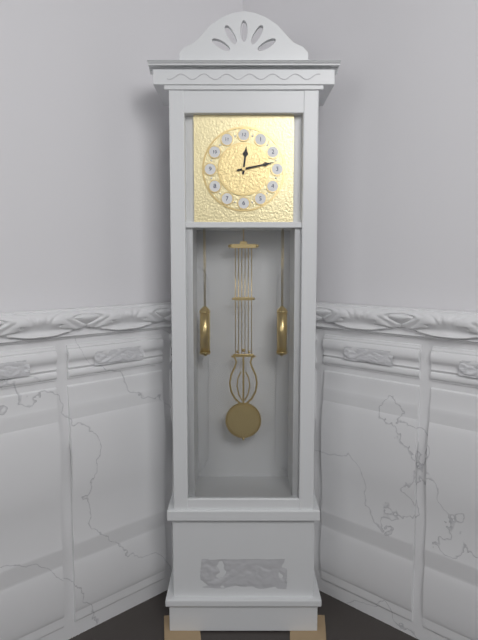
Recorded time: **12:13**
